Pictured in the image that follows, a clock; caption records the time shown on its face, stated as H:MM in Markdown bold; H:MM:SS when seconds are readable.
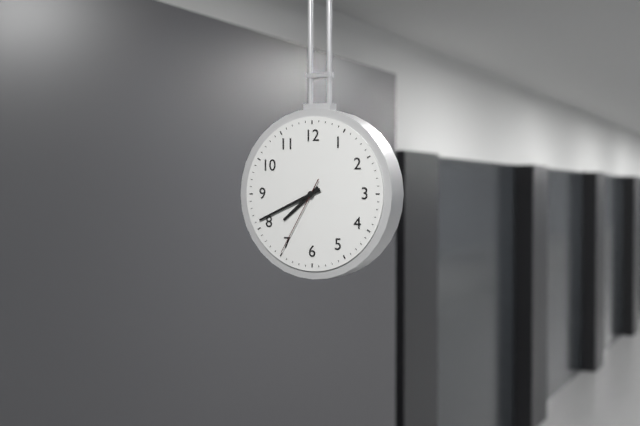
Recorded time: **7:41:35**
